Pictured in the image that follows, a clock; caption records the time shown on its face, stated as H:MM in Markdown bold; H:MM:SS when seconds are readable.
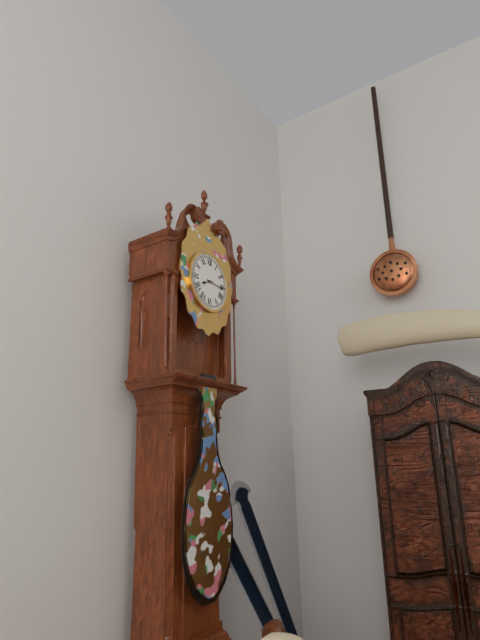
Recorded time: **8:16**
